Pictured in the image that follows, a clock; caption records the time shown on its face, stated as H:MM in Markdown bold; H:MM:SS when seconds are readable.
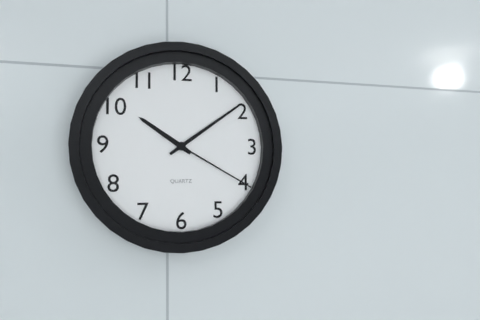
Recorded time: **10:09:20**
